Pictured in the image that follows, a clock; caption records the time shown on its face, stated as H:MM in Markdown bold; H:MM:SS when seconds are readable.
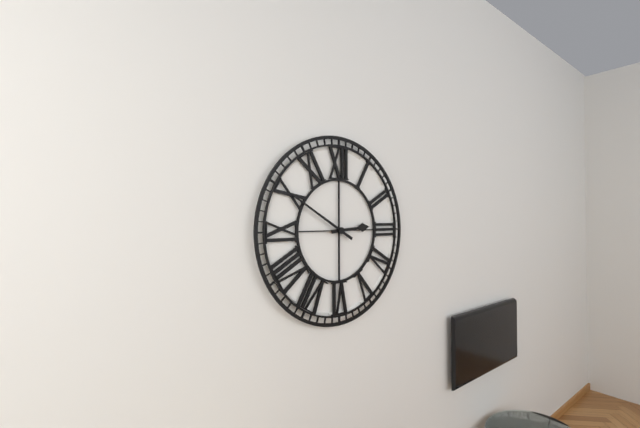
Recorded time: **2:50**
